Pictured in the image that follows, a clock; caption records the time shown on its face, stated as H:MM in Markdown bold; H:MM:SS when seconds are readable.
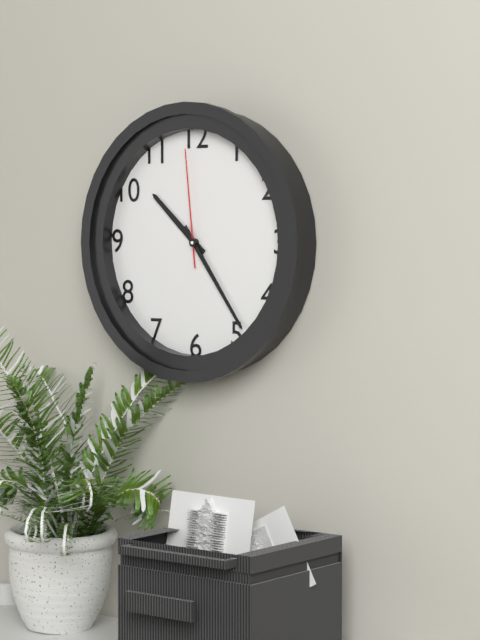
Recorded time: **10:24:59**
